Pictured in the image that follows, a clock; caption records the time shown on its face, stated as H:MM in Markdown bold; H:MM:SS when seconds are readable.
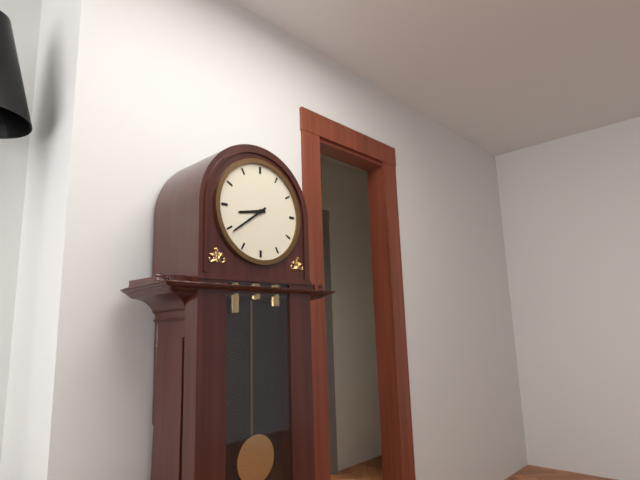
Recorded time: **8:39**
